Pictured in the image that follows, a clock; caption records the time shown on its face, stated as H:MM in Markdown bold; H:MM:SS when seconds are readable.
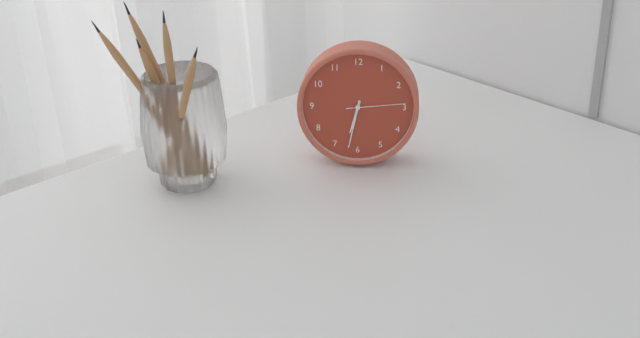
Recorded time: **6:32:14**
